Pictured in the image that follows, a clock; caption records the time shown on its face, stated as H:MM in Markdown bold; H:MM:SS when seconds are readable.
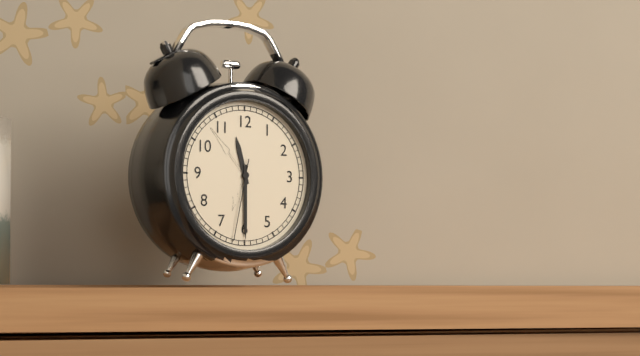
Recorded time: **11:30:32**
